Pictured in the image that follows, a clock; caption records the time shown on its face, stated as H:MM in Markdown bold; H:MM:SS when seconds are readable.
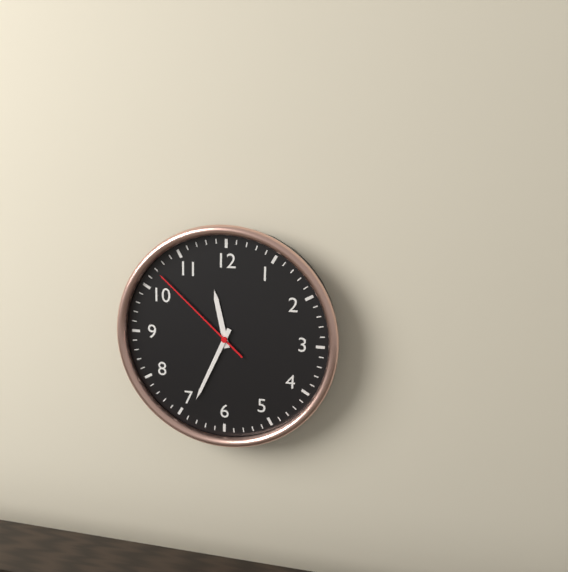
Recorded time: **11:34:52**
